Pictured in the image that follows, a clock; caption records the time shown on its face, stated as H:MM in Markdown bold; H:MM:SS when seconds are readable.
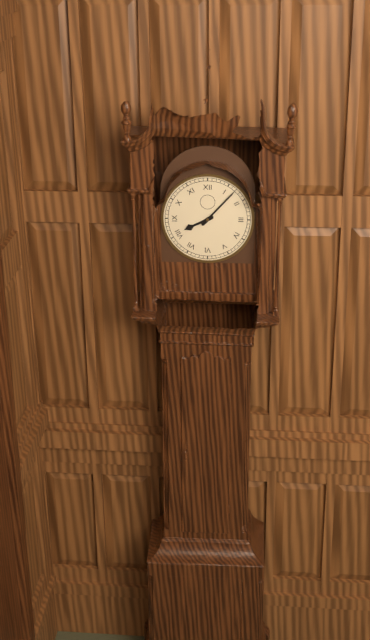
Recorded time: **8:07**
